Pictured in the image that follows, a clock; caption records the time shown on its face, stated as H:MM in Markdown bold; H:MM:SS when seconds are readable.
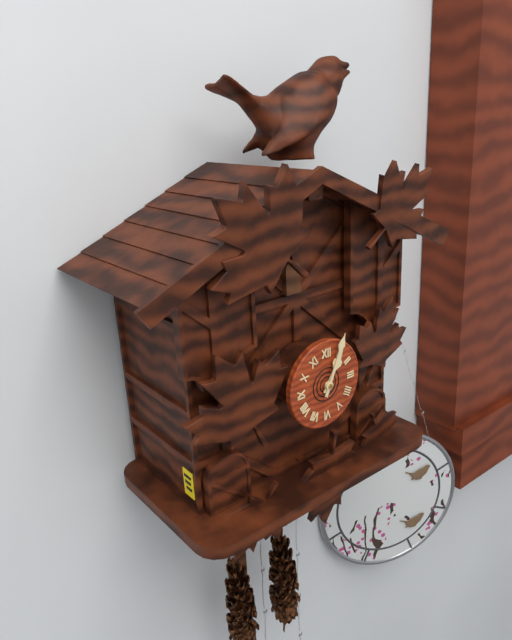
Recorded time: **1:04**
